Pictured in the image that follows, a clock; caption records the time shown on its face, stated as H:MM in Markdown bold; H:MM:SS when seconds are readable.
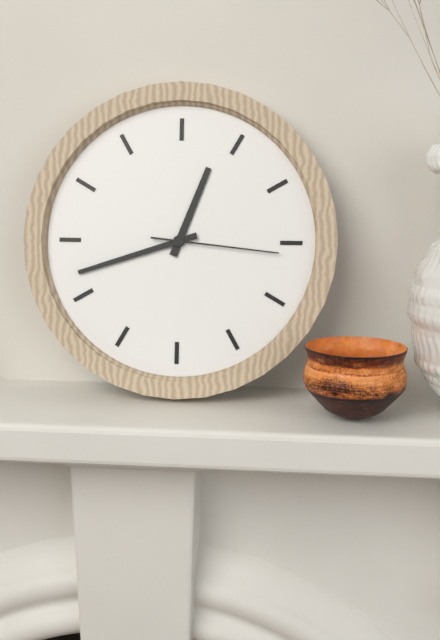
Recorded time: **12:42:16**
